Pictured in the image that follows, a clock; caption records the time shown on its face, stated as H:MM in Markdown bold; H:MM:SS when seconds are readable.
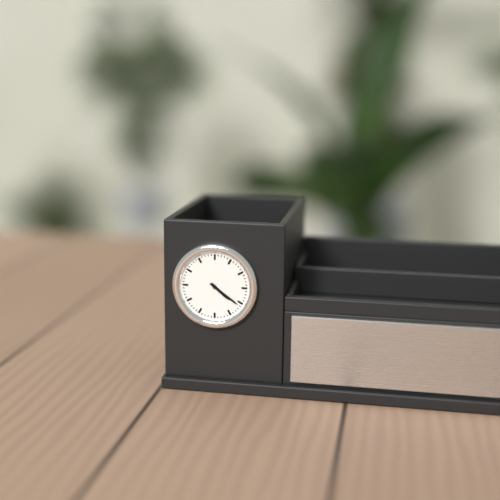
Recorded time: **4:21**
